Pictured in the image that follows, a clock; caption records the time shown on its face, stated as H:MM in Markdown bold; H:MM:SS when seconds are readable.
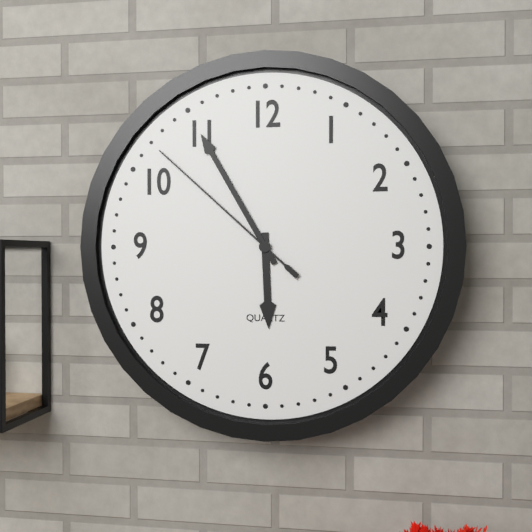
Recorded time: **5:55:52**
